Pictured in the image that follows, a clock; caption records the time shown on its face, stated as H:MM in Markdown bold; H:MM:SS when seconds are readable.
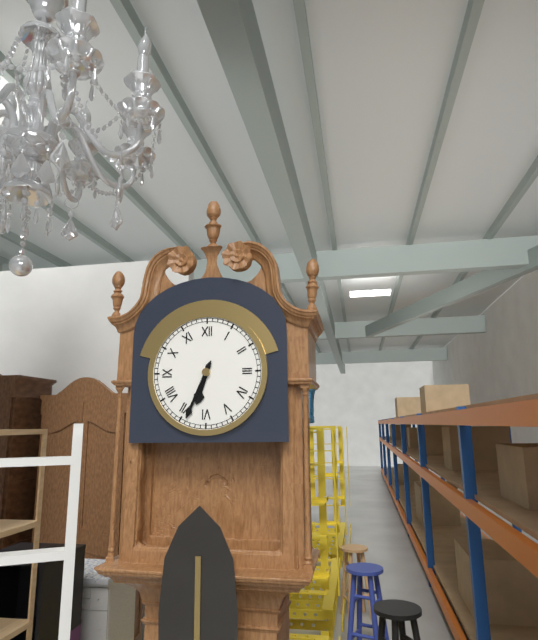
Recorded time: **6:34**
